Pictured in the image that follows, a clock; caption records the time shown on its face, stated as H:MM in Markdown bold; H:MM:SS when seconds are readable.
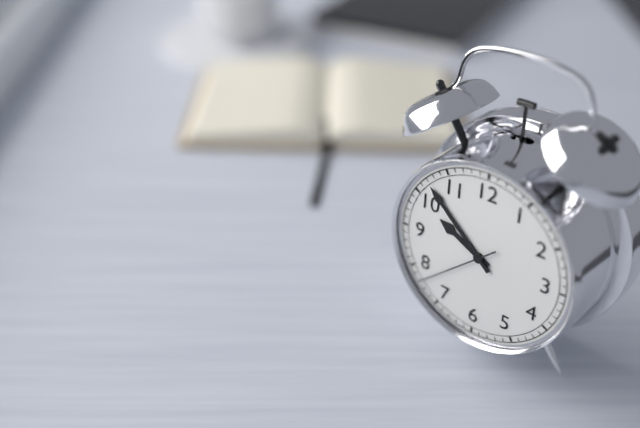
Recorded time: **9:52:38**
